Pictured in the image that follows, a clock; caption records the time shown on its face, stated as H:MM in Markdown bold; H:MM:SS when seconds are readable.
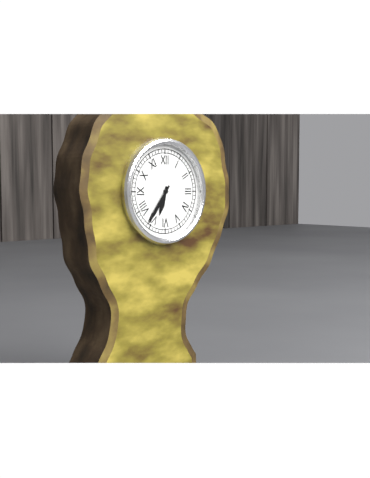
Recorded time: **6:36**
